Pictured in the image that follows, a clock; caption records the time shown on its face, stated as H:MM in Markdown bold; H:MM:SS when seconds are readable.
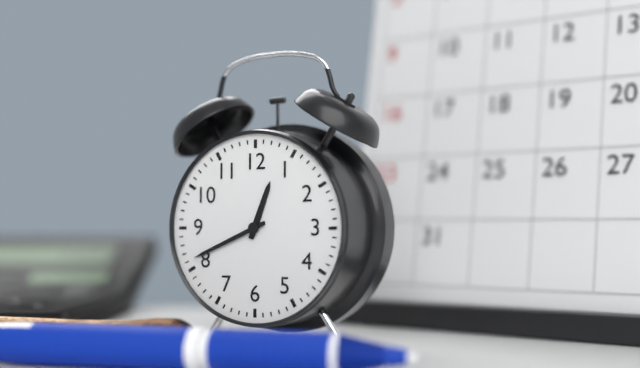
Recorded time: **12:41**
